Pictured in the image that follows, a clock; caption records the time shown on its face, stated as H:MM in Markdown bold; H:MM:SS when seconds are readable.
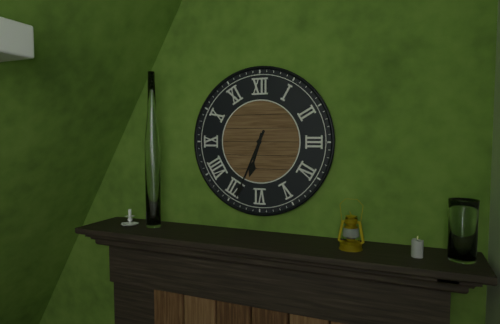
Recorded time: **6:34**
